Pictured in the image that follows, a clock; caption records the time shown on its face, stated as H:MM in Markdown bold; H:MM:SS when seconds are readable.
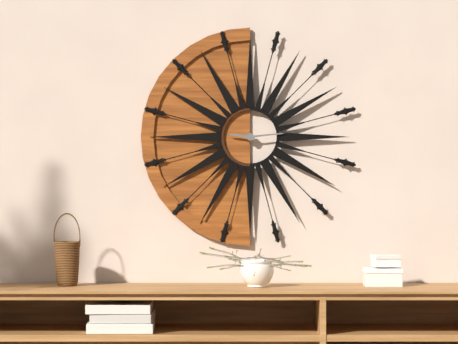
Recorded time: **9:14**
